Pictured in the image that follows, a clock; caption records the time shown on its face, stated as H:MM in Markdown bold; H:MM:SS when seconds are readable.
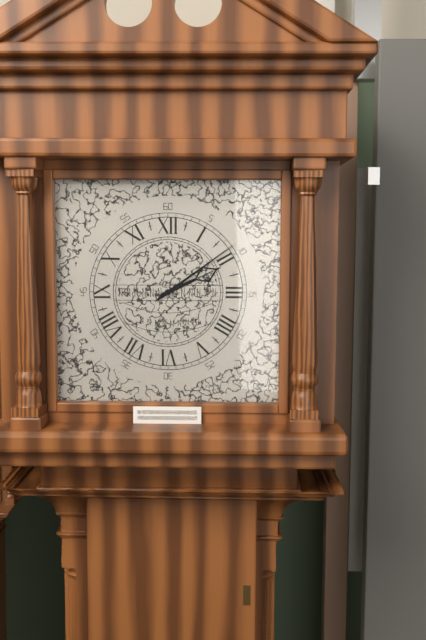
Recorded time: **2:09**
